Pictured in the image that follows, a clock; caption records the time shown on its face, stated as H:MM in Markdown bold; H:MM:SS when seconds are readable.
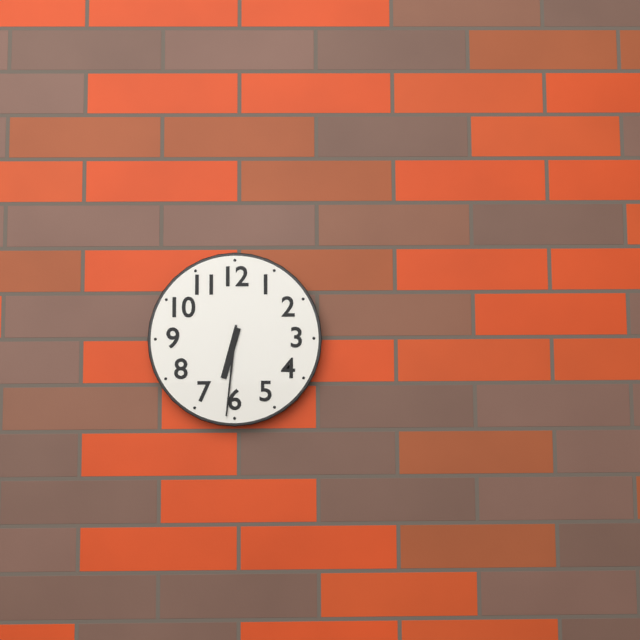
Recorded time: **6:31**
